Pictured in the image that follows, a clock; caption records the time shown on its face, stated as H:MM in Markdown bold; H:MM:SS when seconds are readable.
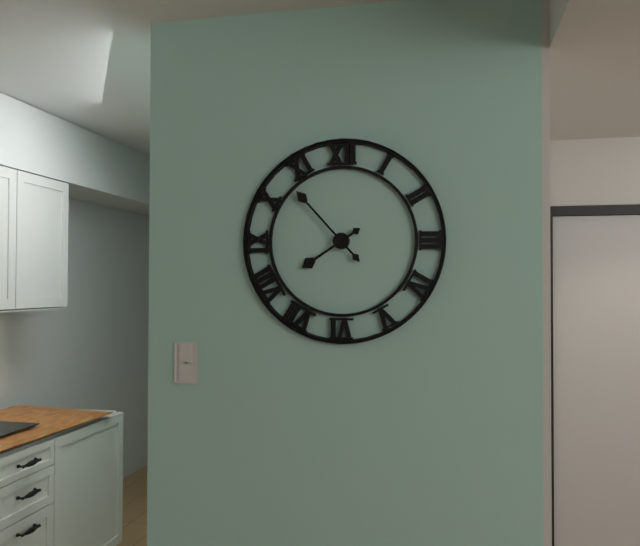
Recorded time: **7:53**
